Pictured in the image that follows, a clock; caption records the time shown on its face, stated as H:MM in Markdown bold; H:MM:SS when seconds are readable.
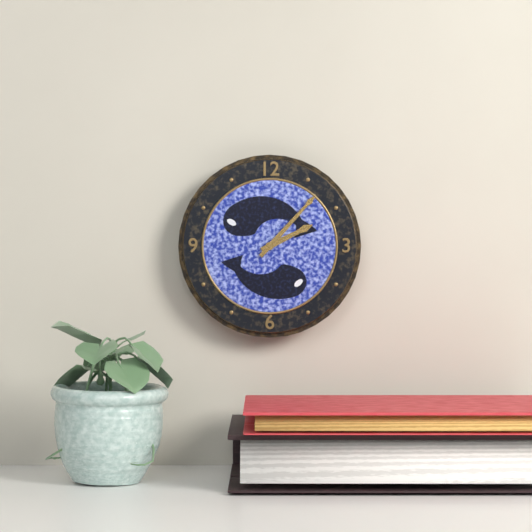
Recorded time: **2:07**
